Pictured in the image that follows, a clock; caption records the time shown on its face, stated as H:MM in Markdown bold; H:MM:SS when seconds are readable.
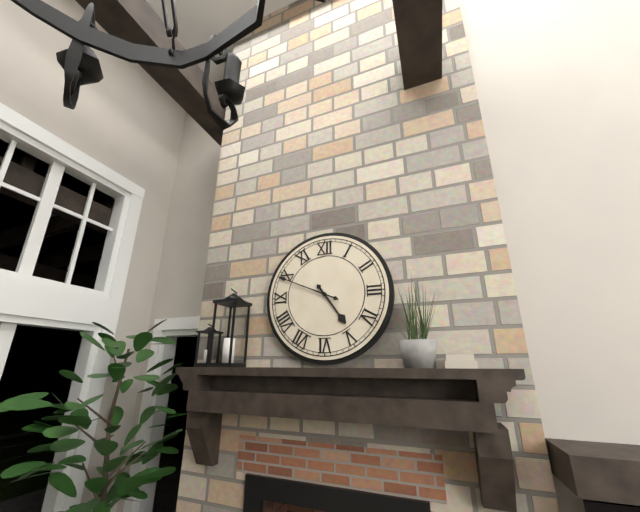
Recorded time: **4:49**
